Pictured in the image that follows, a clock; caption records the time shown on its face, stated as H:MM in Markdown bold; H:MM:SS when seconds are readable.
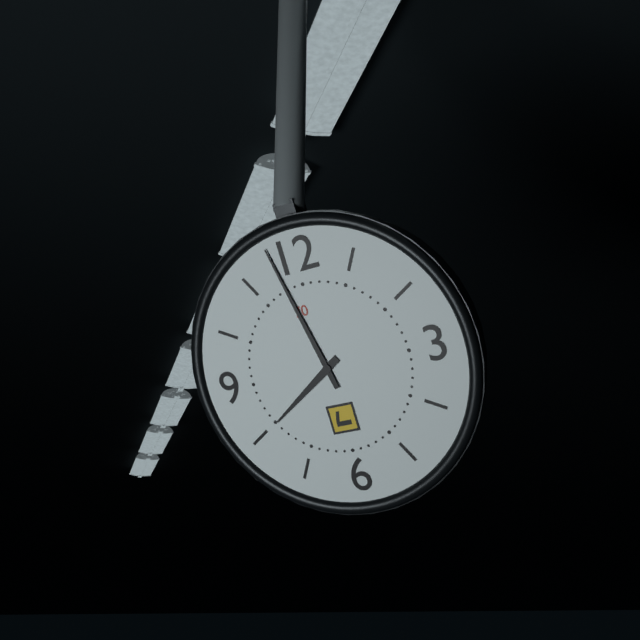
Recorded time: **7:58**
